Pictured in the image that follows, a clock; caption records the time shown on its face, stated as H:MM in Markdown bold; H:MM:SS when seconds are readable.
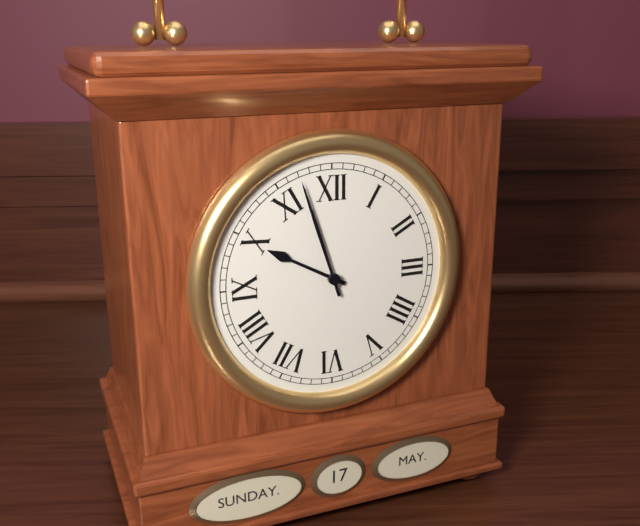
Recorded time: **9:57**
